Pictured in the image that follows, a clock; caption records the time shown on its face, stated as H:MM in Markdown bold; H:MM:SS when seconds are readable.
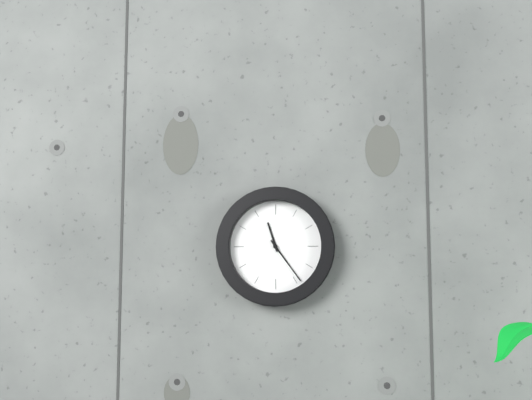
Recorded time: **11:24**
